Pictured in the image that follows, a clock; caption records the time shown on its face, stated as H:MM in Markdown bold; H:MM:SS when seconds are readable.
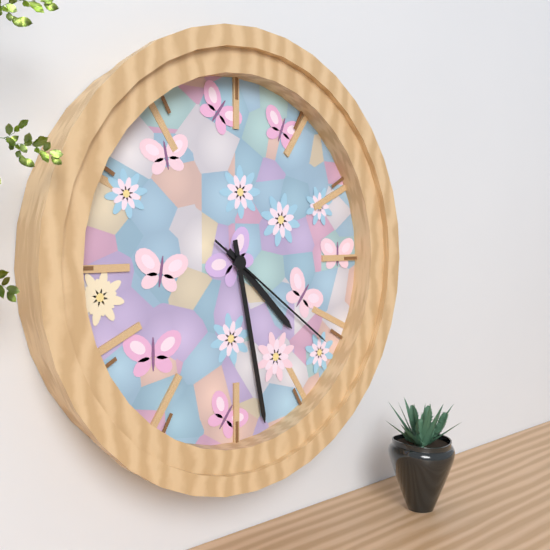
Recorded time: **4:28:21**
